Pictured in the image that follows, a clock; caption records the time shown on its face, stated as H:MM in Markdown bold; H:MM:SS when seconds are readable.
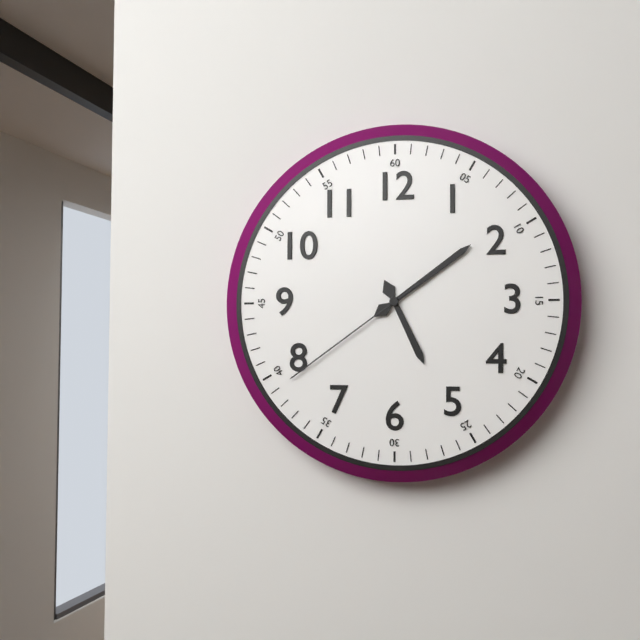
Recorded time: **5:09:39**
